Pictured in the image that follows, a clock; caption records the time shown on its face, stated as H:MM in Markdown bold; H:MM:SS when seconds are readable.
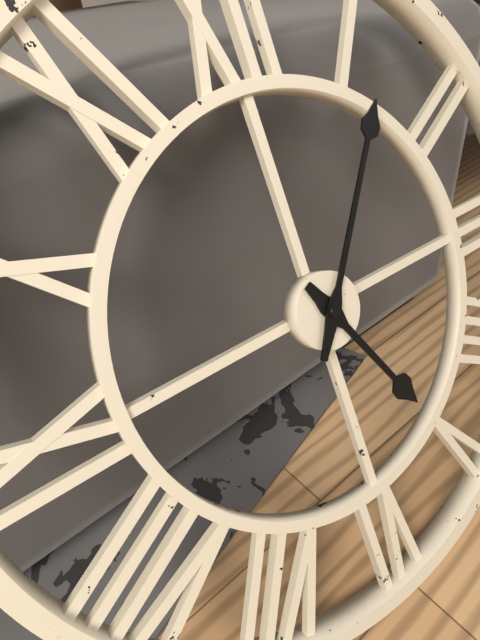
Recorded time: **5:06**
